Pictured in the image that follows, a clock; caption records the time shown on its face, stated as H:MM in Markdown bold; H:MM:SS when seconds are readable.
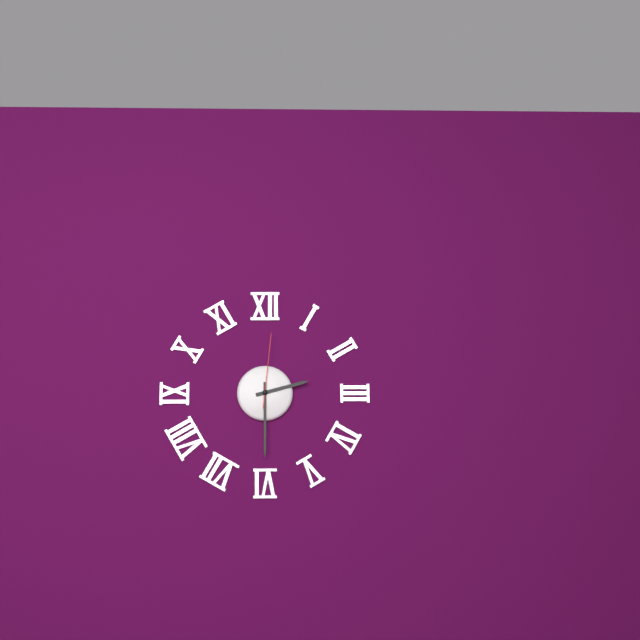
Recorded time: **2:30:01**
